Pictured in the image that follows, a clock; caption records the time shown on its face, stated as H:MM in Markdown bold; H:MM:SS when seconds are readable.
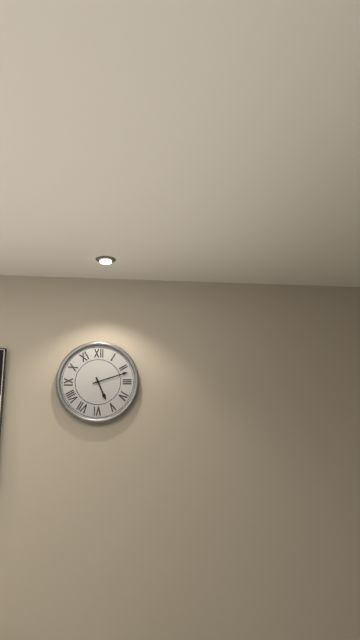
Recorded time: **5:12**
